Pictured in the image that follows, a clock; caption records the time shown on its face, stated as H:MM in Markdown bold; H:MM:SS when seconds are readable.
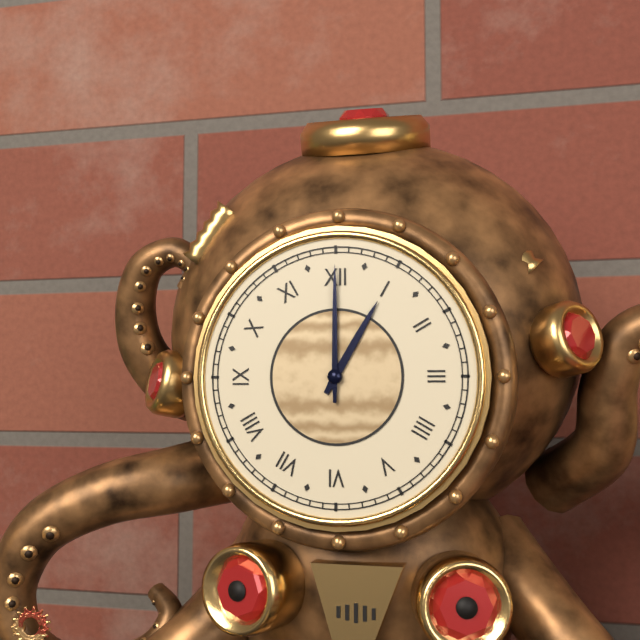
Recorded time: **1:00**
